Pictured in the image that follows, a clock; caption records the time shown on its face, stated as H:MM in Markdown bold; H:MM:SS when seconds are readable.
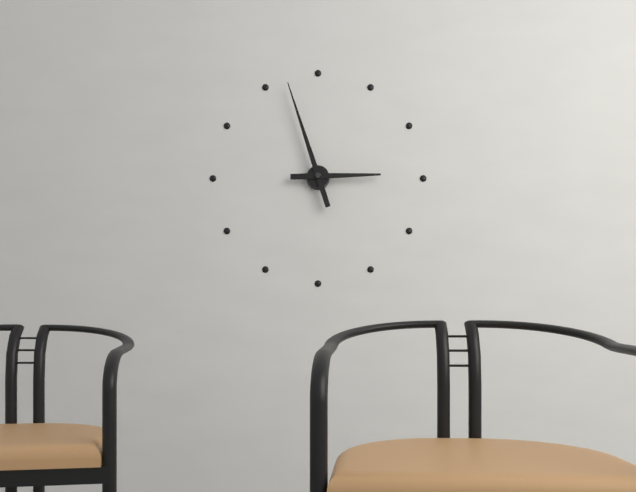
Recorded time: **2:57**
